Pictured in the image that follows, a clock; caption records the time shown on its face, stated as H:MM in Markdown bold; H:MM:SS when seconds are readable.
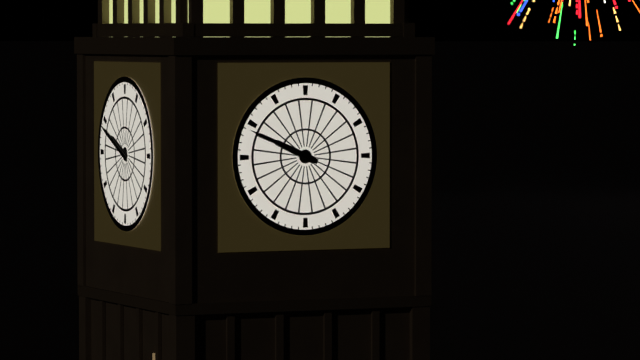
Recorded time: **9:49**
